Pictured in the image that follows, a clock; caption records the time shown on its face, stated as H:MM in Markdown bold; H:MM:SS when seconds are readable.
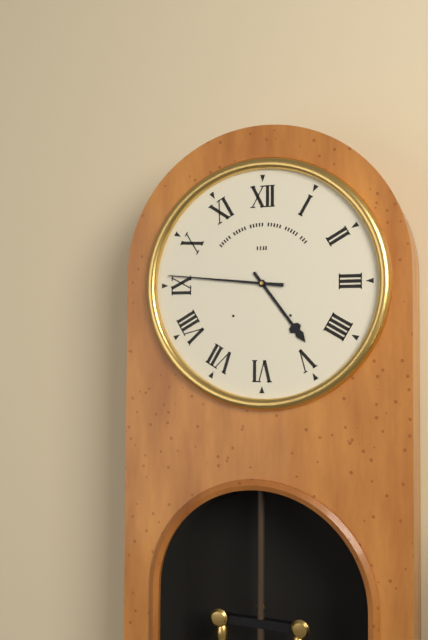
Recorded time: **4:46**
